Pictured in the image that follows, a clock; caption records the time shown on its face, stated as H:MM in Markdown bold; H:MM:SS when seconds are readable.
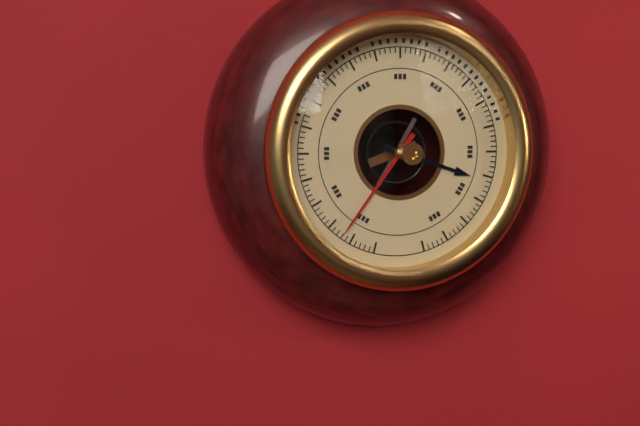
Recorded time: **3:36**
